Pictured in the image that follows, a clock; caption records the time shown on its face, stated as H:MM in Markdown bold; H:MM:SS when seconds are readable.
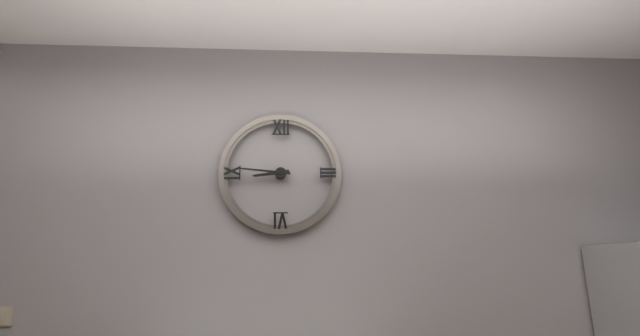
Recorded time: **8:46**
